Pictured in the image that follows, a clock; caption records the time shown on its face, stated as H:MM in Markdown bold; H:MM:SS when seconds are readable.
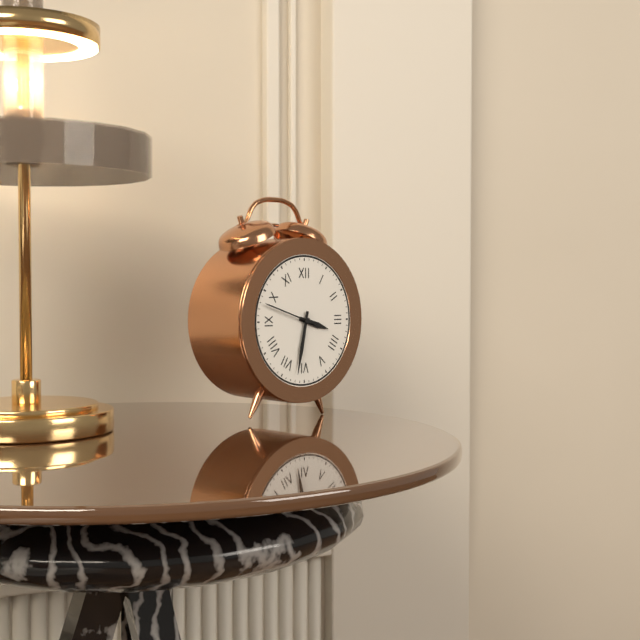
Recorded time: **3:32:48**
